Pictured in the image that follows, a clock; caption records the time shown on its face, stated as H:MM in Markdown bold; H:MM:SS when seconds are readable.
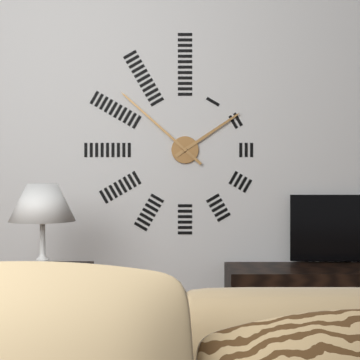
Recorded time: **1:52**
